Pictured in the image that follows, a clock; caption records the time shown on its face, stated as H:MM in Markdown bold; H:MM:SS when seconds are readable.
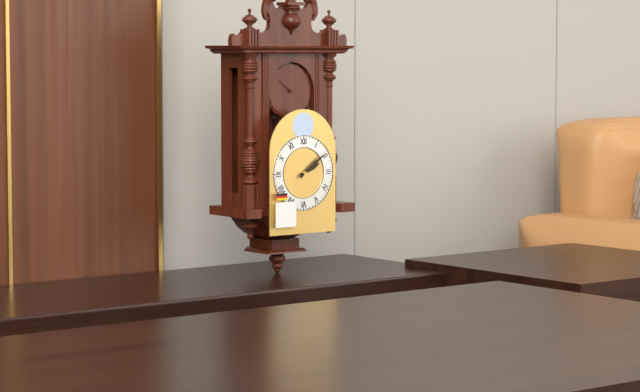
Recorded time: **2:09**
